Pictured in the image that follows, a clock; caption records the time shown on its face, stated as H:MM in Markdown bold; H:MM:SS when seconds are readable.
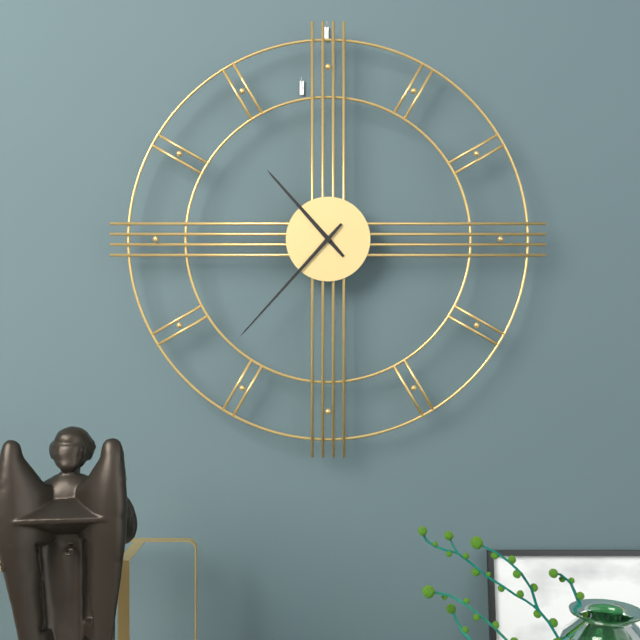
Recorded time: **10:37**
